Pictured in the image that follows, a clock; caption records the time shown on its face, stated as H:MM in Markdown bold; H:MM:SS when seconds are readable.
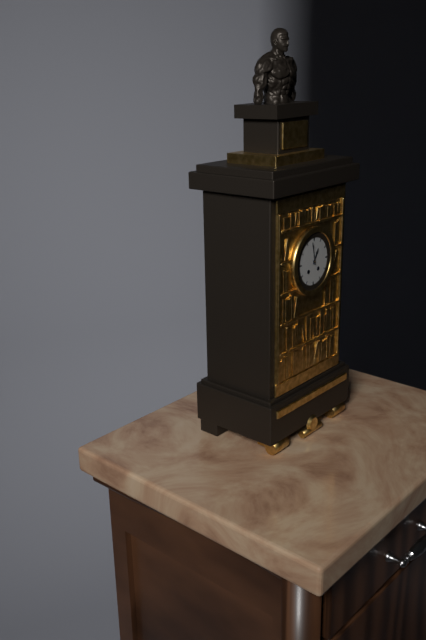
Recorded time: **12:58**
